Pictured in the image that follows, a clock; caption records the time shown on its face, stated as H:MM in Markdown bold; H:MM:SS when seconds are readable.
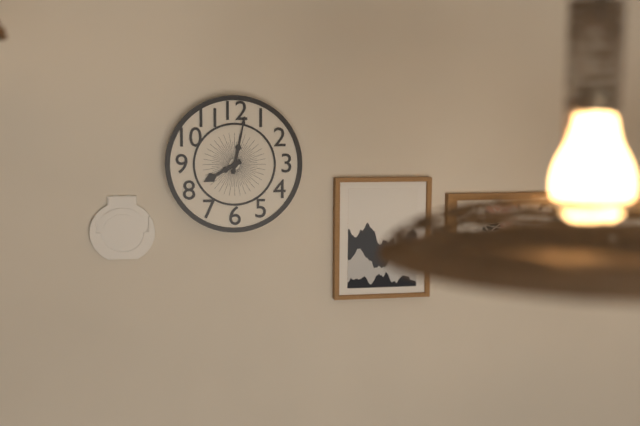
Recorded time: **8:02**
